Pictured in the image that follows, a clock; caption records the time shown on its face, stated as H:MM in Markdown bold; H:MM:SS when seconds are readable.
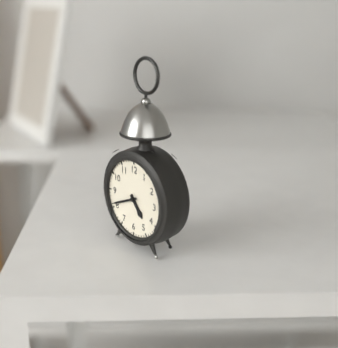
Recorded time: **4:41**
